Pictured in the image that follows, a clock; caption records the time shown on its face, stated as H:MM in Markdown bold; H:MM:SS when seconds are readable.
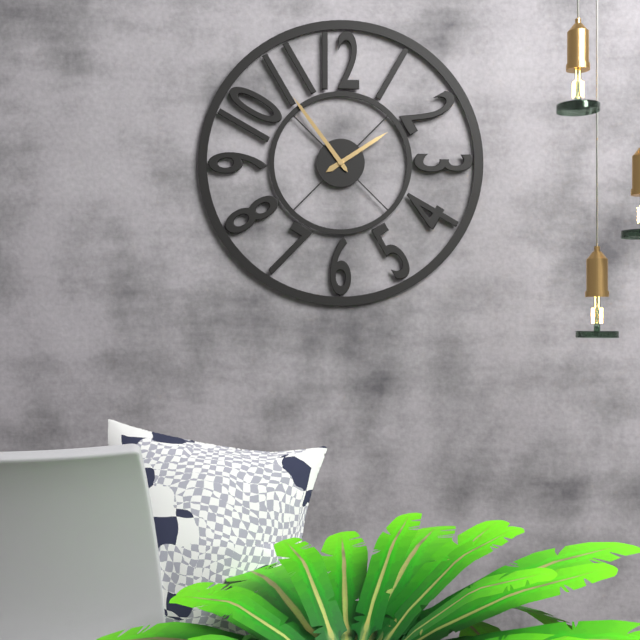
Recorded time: **1:54**
